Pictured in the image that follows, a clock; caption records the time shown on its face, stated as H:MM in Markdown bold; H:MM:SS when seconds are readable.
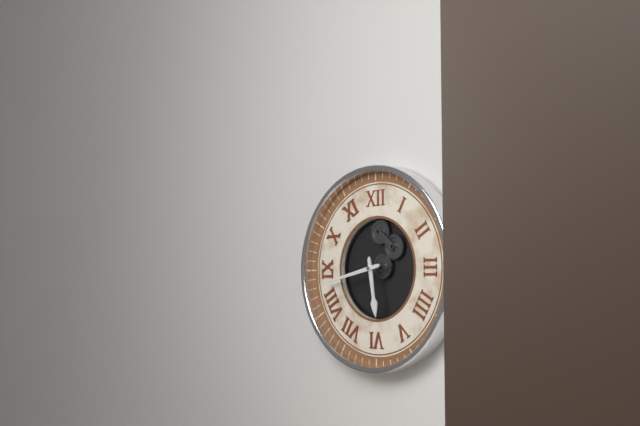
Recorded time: **5:43**
